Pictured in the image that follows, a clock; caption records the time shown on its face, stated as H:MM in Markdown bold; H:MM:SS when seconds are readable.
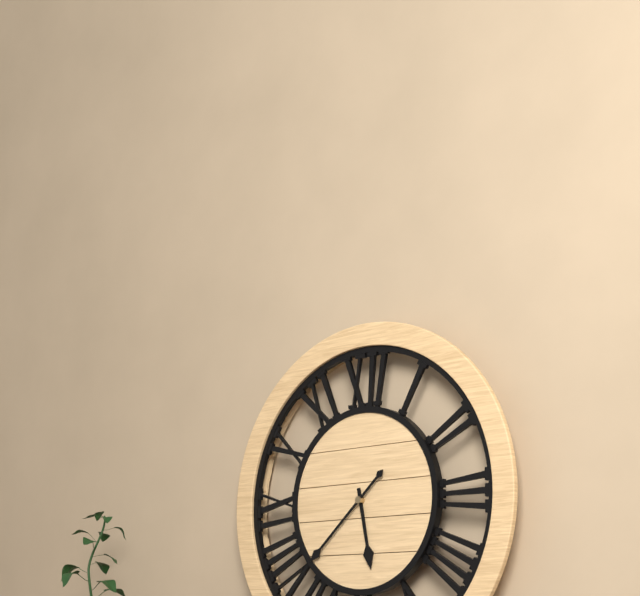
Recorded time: **5:38**
